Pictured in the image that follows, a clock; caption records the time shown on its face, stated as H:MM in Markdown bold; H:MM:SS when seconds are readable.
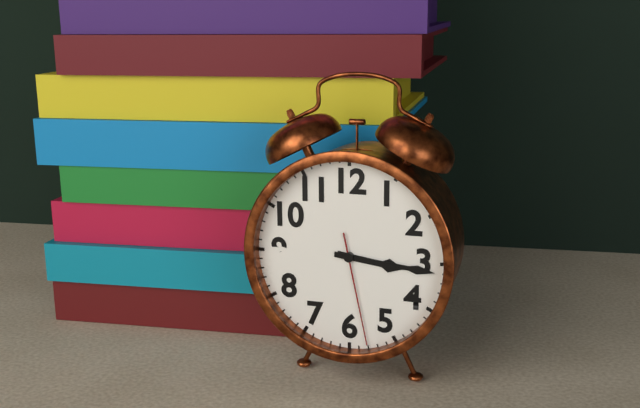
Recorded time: **3:16:28**
